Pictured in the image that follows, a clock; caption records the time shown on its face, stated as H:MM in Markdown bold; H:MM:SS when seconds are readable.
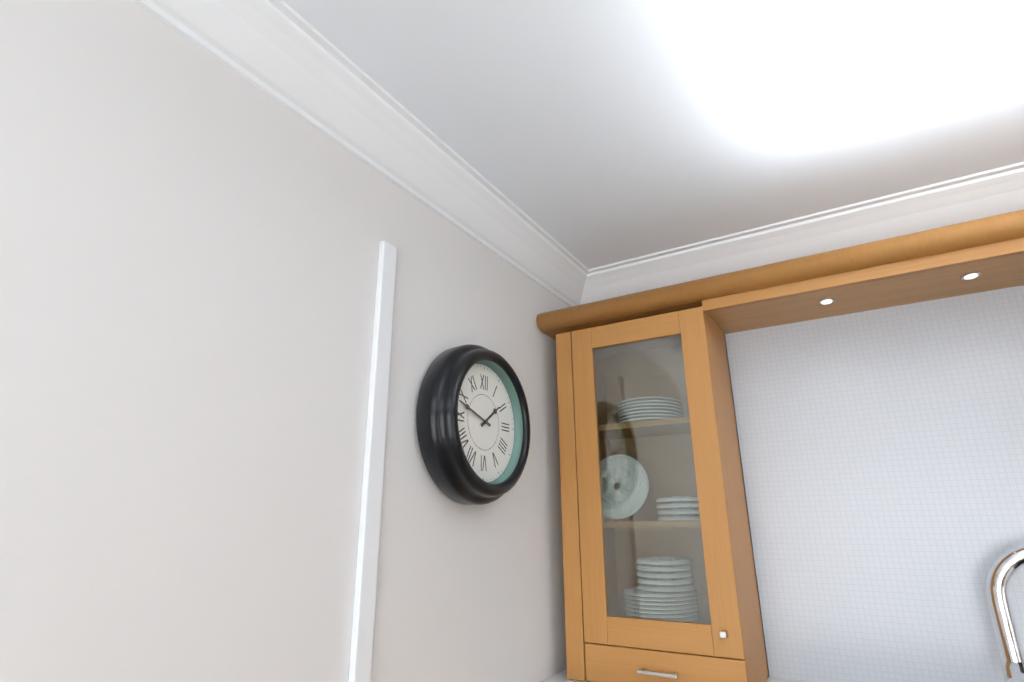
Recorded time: **1:48**
